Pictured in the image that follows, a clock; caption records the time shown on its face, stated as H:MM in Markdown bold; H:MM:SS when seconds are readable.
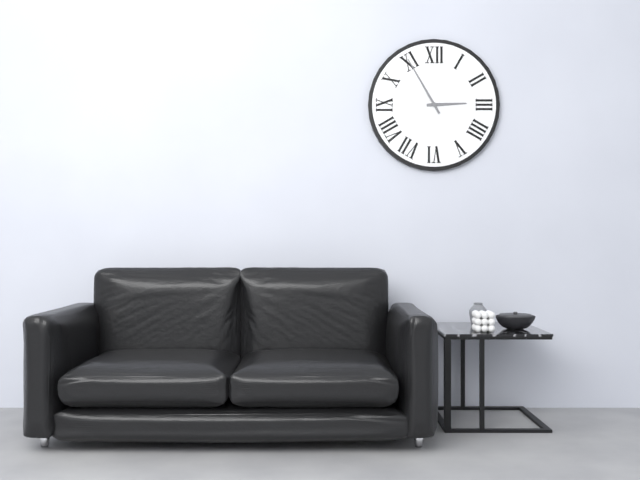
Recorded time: **2:55**
